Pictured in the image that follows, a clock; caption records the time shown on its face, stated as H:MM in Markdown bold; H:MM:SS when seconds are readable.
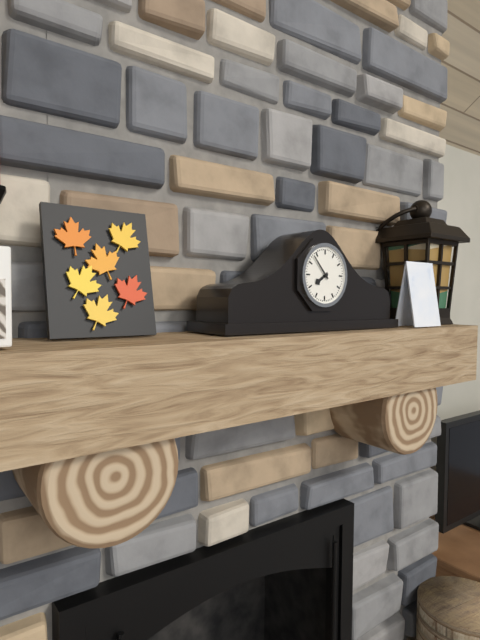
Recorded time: **7:53**
